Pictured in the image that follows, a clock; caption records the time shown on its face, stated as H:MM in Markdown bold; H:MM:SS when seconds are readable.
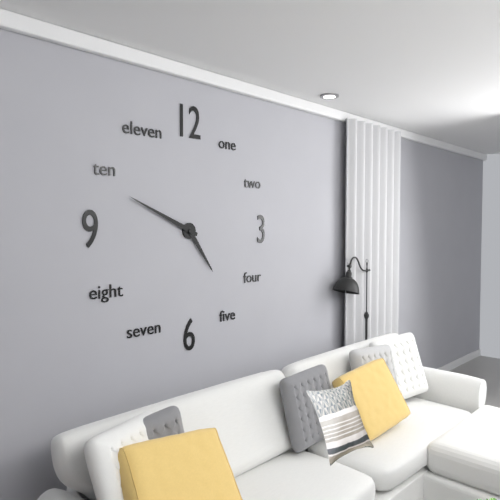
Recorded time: **4:49**
